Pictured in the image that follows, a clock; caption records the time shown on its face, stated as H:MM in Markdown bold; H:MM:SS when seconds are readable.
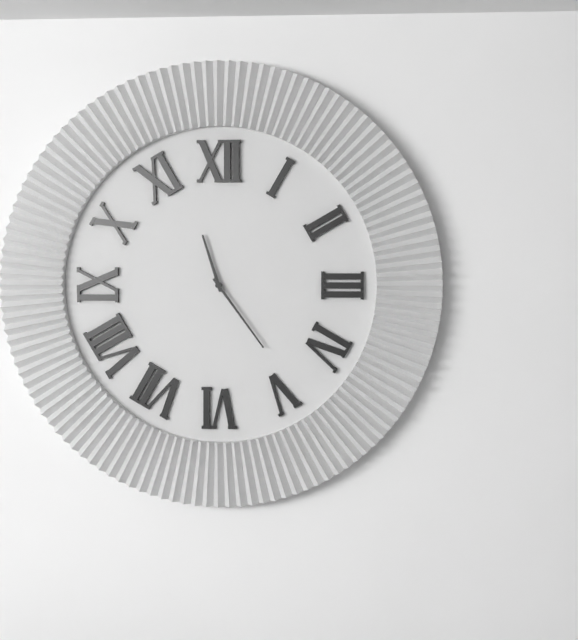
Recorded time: **11:24**
